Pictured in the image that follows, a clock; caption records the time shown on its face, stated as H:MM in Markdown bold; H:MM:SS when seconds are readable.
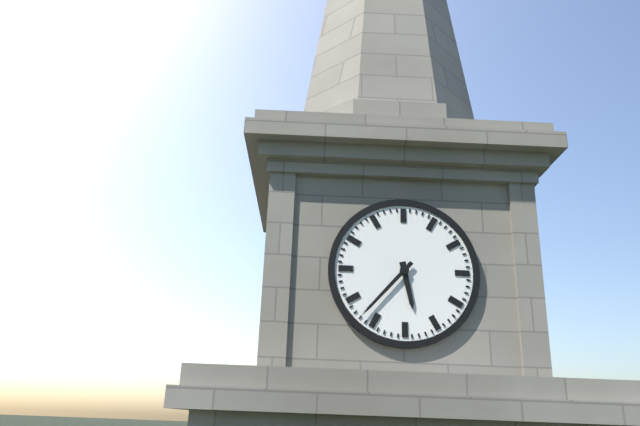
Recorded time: **5:37**
